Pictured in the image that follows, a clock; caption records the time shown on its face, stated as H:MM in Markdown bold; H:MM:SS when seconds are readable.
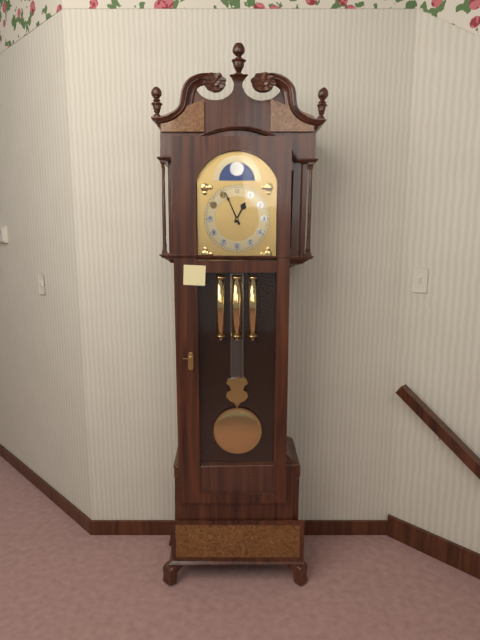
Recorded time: **12:56**
